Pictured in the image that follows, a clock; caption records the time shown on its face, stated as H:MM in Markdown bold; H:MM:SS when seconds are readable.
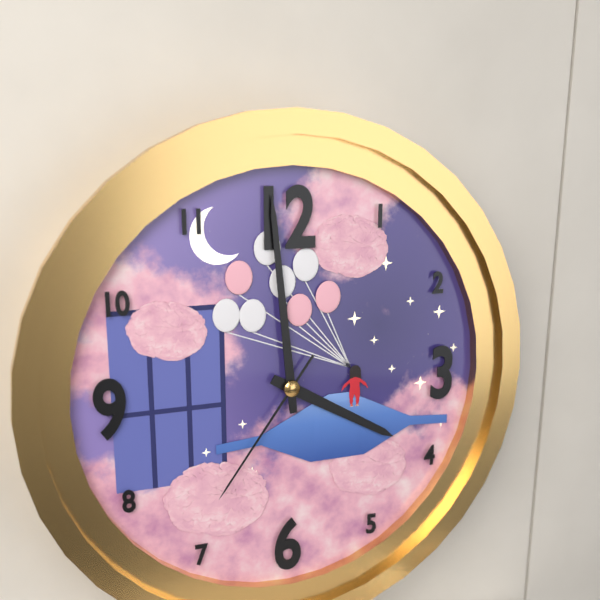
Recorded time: **3:59:36**
